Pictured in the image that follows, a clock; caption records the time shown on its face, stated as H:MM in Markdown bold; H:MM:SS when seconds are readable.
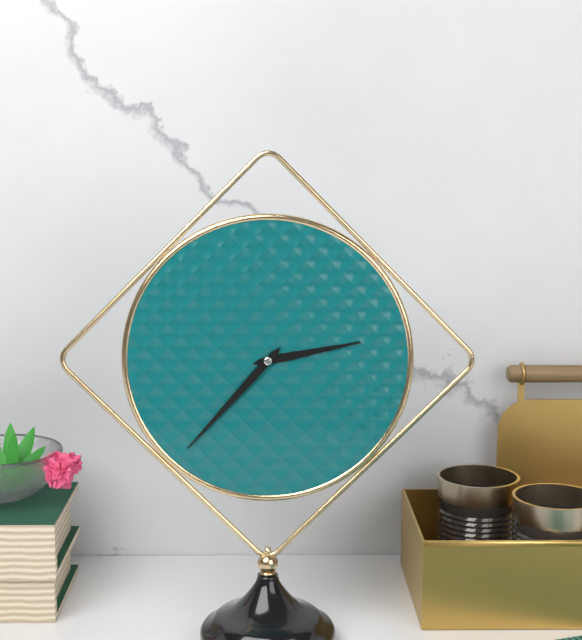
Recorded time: **2:37**
